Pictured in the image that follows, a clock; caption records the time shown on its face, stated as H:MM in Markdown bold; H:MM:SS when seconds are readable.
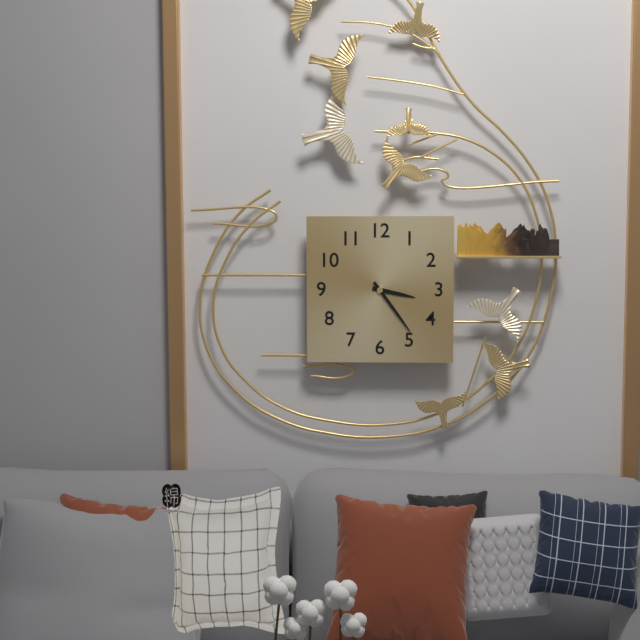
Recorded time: **3:24**
